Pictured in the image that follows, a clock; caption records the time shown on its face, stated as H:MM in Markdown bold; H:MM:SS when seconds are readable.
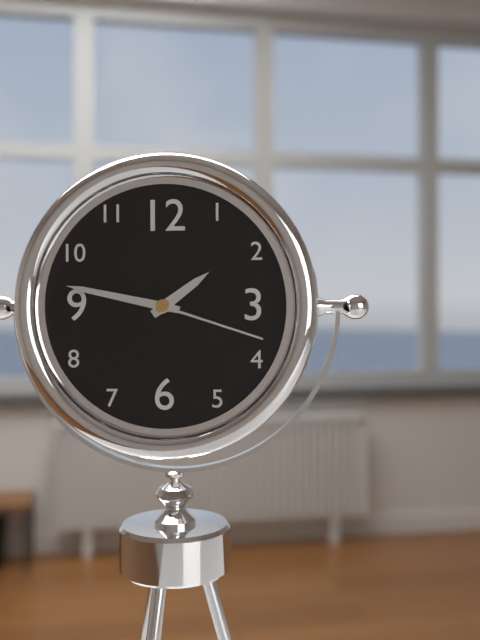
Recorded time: **1:47:18**
